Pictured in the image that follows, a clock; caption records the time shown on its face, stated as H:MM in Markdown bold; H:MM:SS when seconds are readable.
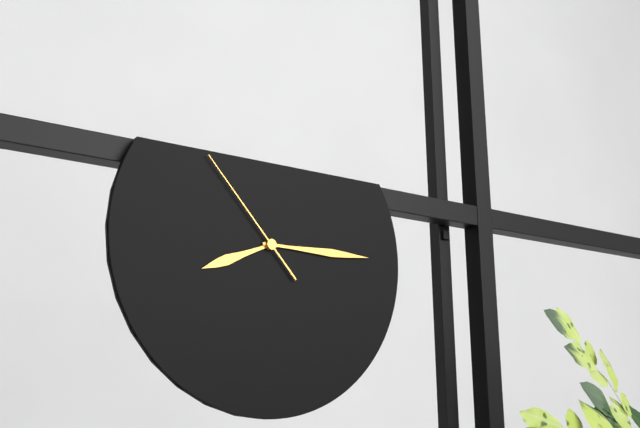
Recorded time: **8:15:53**
